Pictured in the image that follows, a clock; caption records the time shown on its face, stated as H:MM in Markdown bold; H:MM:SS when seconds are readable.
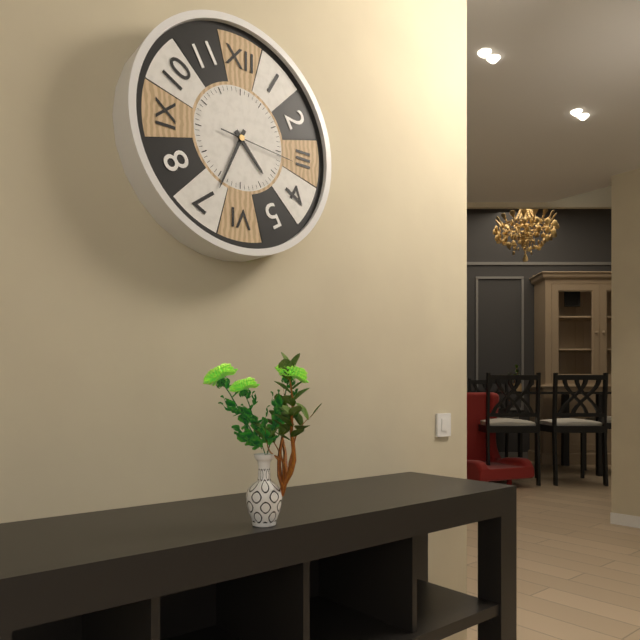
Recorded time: **4:34:16**
